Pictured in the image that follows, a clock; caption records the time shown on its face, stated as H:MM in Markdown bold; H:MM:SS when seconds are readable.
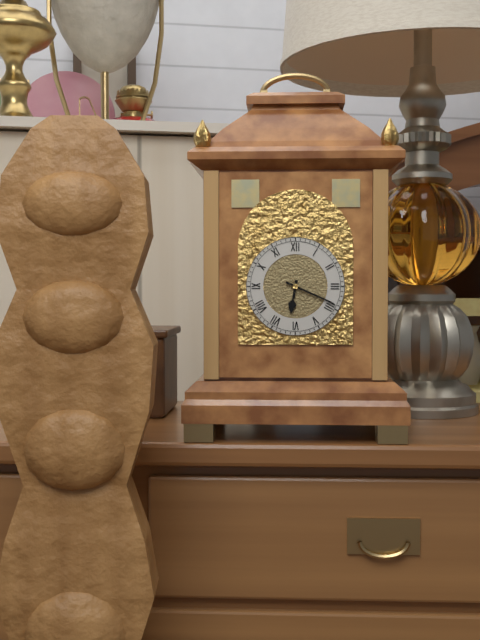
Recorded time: **6:19**
